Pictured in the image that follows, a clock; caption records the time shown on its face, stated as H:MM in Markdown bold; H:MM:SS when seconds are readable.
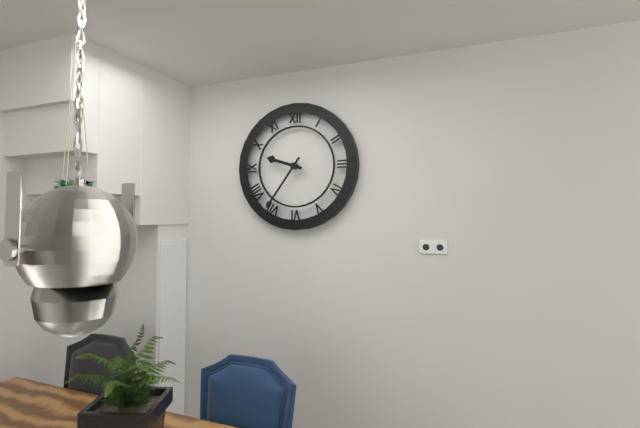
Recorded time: **9:36**
